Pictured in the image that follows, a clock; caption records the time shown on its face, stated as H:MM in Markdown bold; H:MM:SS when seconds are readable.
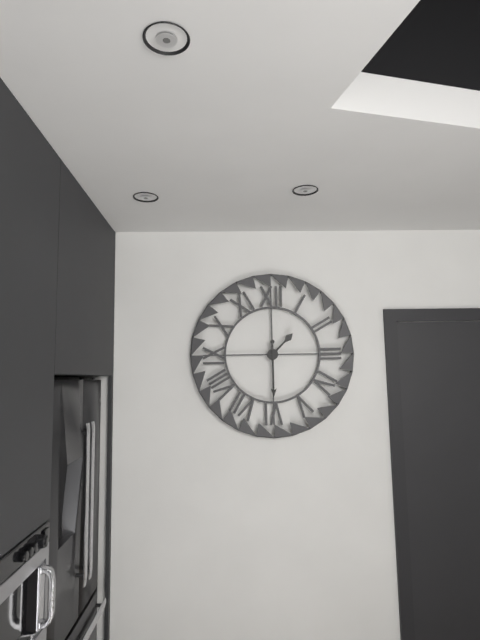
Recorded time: **1:30**
